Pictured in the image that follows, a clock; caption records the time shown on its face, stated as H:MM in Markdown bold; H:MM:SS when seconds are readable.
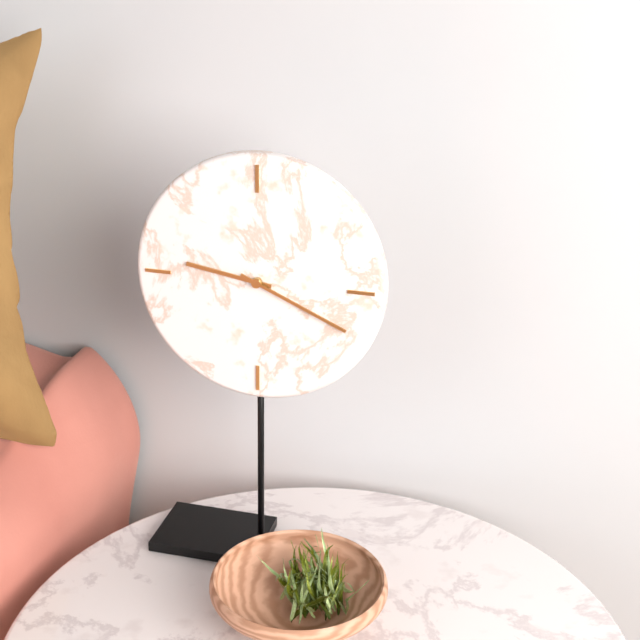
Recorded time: **9:19**
